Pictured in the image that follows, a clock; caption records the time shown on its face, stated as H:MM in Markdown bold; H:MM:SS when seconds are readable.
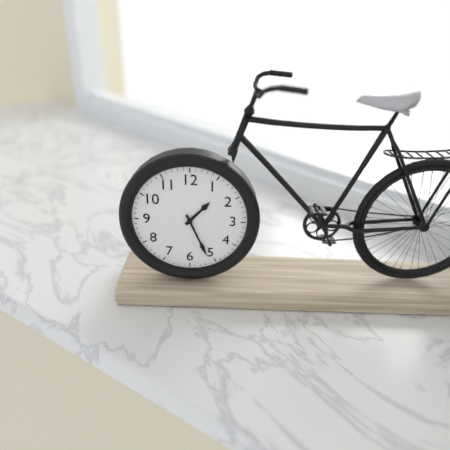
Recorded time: **1:26**
